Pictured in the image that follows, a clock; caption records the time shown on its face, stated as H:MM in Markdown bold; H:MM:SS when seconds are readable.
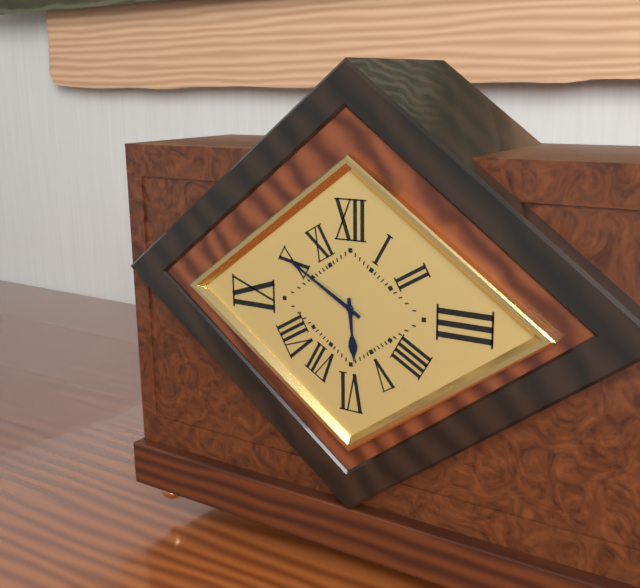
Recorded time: **5:50**
